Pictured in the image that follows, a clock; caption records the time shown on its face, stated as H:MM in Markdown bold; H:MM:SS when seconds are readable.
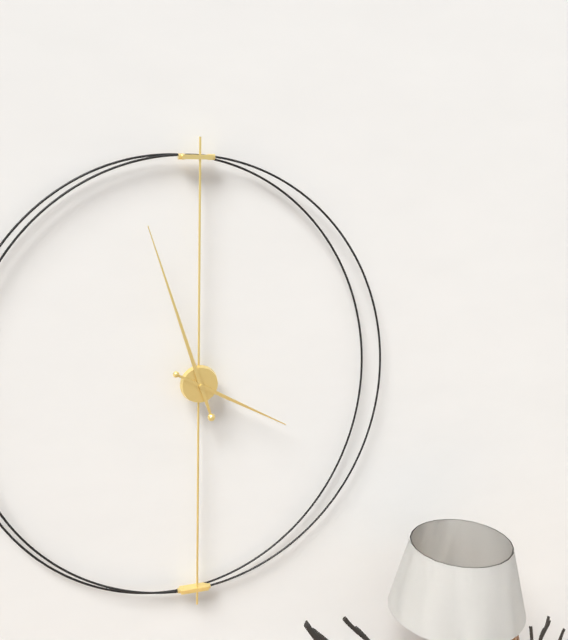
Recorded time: **3:57**
